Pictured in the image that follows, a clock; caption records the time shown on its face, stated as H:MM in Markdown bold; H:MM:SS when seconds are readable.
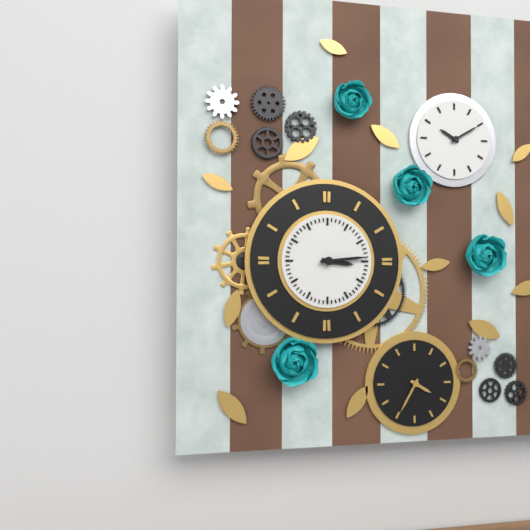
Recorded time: **3:14**
